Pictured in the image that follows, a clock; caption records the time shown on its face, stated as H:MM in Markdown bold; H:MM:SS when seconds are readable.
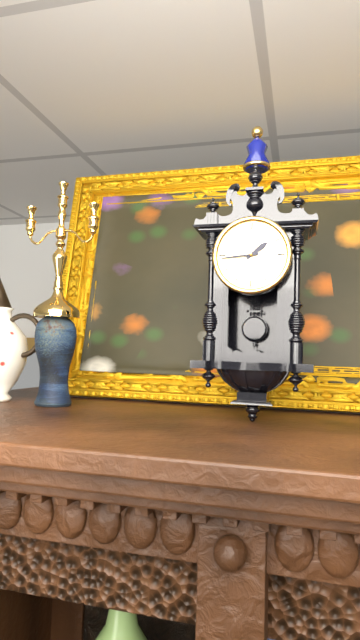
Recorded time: **1:44**
